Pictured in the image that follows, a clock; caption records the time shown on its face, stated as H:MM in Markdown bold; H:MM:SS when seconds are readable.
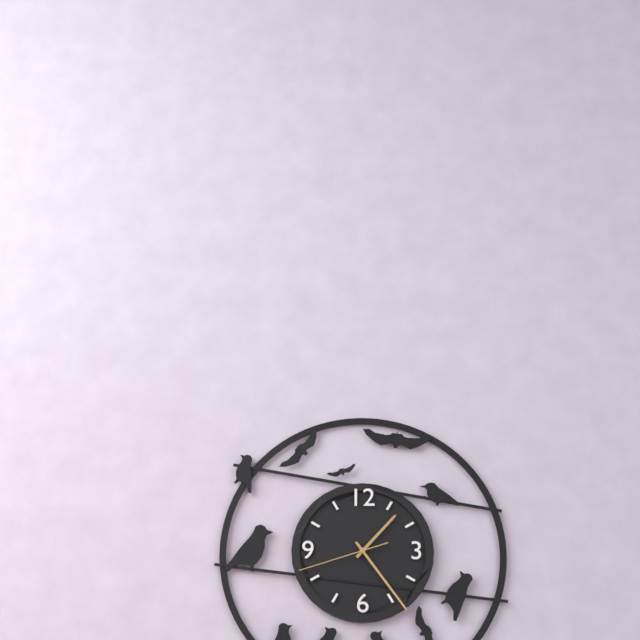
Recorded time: **1:24:42**
